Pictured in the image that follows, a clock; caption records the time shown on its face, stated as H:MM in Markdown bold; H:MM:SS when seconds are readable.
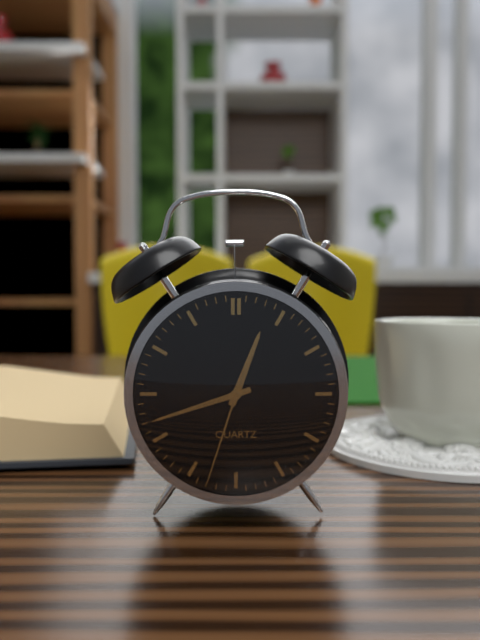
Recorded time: **12:42:33**
